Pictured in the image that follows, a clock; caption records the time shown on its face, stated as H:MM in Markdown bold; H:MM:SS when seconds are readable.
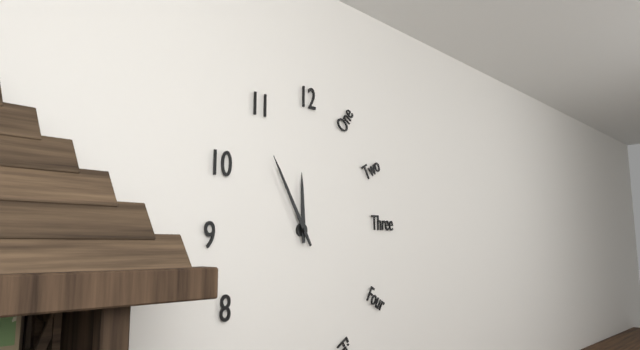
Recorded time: **11:55**
